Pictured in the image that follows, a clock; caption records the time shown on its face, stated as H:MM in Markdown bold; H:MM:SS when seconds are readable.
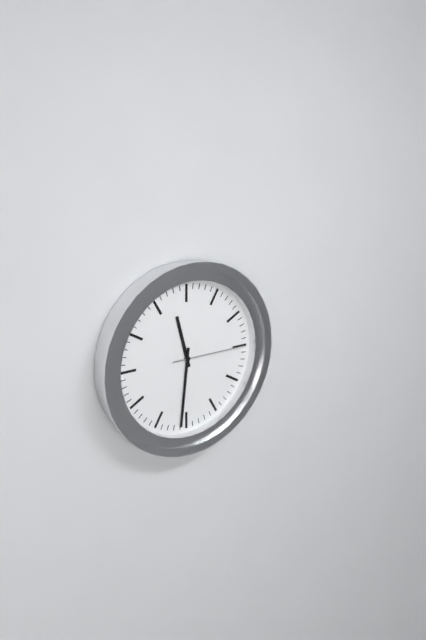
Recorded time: **11:31:15**
